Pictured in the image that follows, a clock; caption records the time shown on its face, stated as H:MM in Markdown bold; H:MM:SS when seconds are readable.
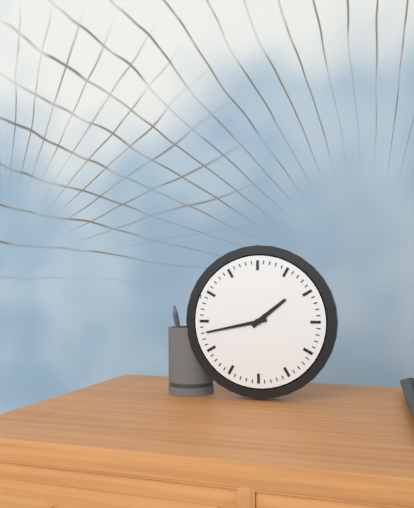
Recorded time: **1:43**
